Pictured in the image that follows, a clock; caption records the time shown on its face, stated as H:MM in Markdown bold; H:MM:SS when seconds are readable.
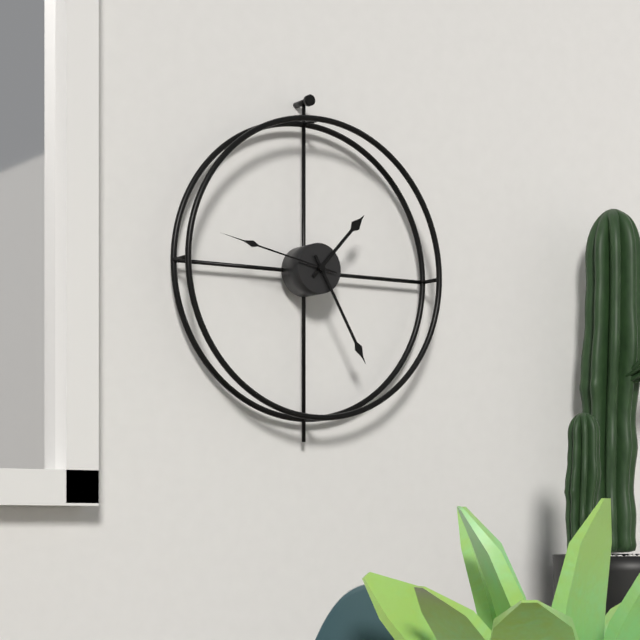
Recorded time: **1:25:47**
